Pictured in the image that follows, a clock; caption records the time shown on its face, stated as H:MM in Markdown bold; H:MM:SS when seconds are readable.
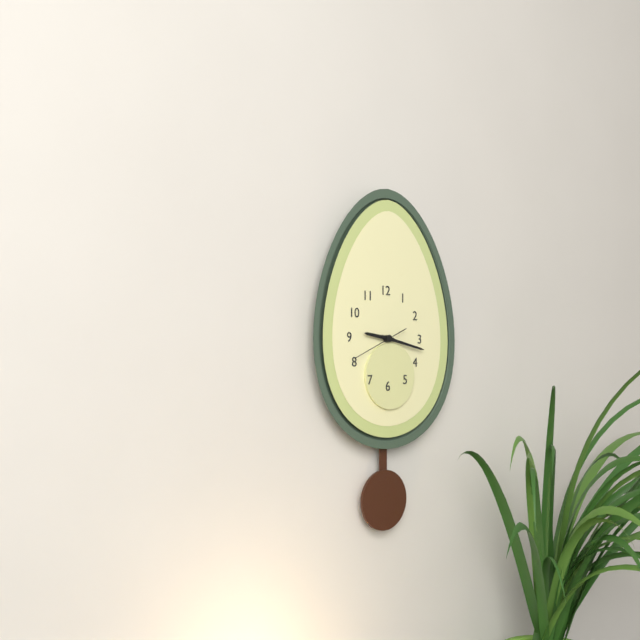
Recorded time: **9:17**
